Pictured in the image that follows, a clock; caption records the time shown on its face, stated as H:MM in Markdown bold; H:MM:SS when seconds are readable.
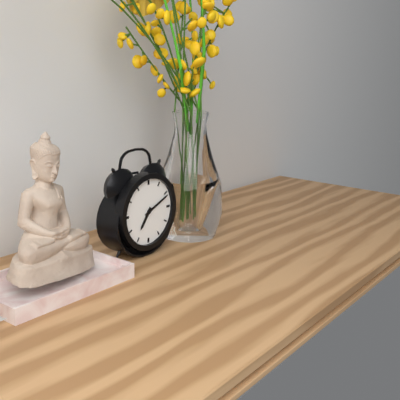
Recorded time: **7:11**
